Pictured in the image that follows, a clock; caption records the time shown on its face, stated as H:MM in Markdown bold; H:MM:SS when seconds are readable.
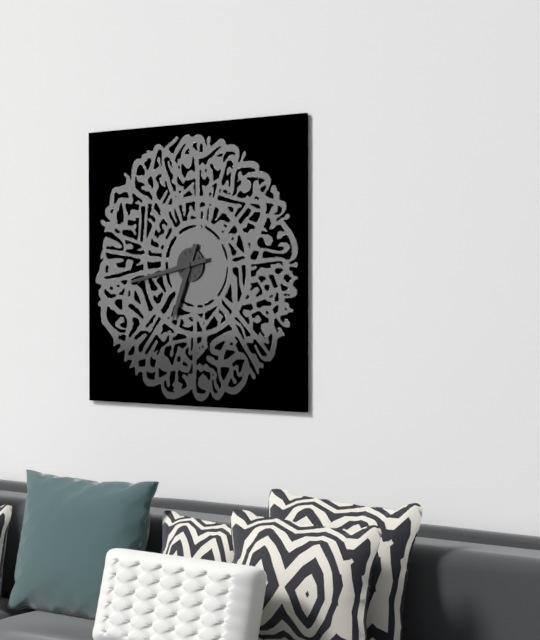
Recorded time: **6:43**
